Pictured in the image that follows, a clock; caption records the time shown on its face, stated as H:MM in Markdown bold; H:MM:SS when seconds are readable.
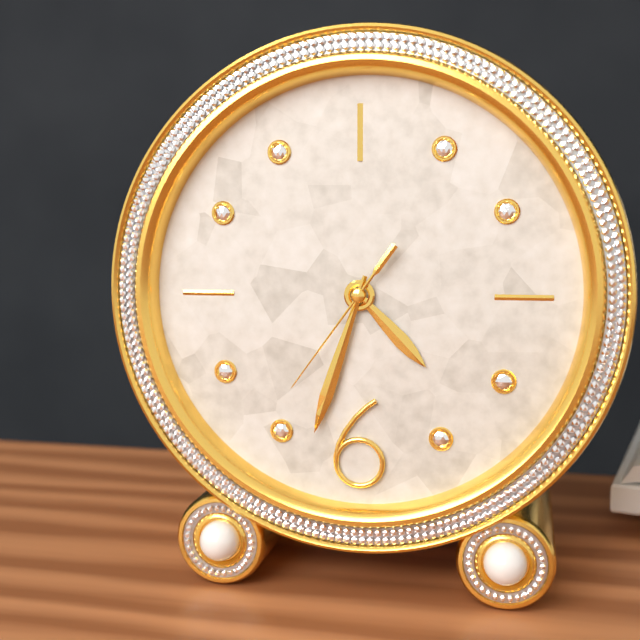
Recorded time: **4:33:36**
